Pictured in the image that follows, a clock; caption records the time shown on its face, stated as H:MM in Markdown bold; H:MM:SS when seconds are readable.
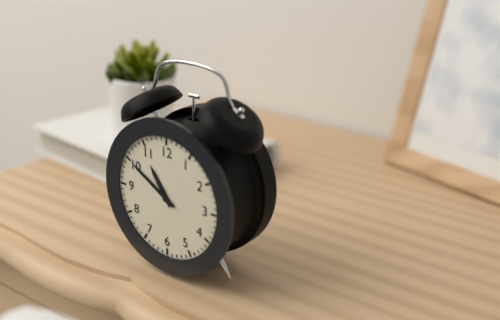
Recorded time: **10:50**
